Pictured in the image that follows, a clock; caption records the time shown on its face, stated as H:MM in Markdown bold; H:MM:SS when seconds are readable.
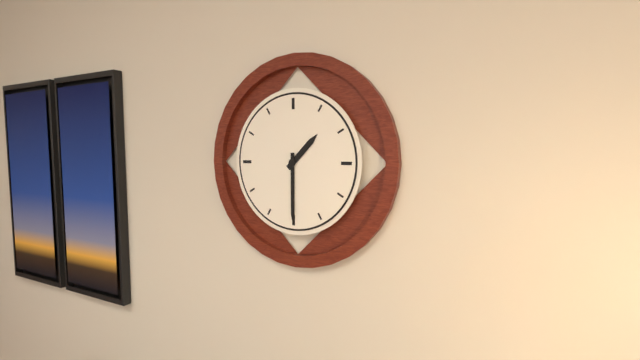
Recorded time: **1:30**
